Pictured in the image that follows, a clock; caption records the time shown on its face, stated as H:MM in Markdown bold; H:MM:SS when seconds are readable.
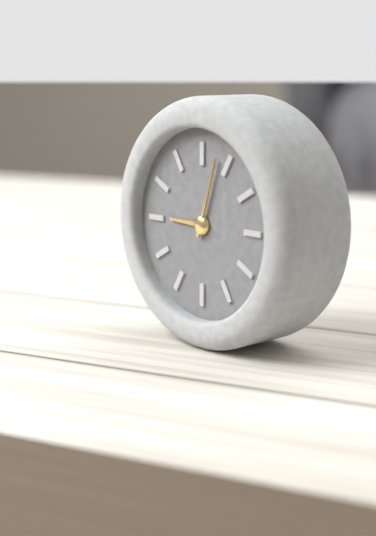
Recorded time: **9:03**
